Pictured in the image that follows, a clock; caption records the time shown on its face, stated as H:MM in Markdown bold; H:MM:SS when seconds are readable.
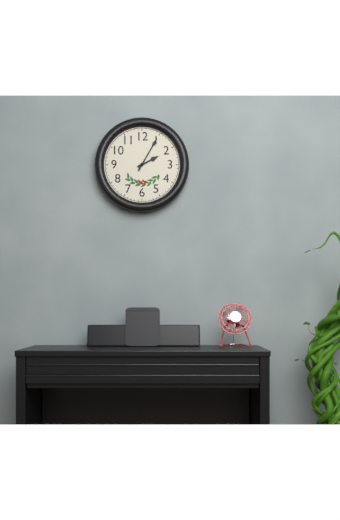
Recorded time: **2:05**
